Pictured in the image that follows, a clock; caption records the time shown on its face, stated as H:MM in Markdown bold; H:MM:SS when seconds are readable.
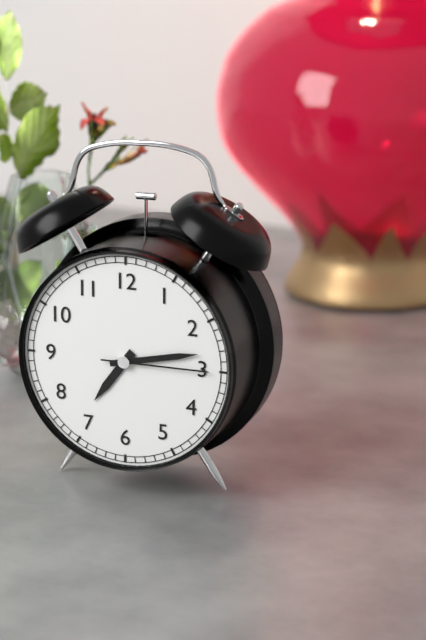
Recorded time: **7:13:15**
